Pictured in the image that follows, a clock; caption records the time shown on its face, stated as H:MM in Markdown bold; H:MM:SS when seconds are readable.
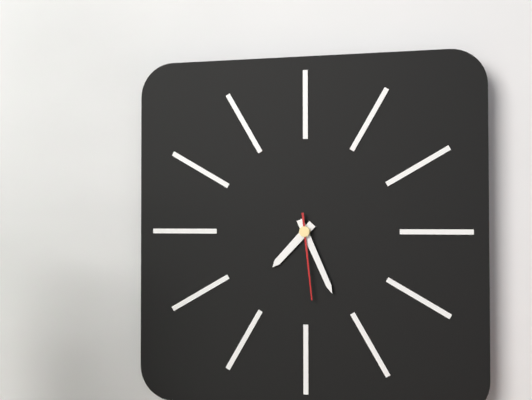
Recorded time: **7:26:29**
